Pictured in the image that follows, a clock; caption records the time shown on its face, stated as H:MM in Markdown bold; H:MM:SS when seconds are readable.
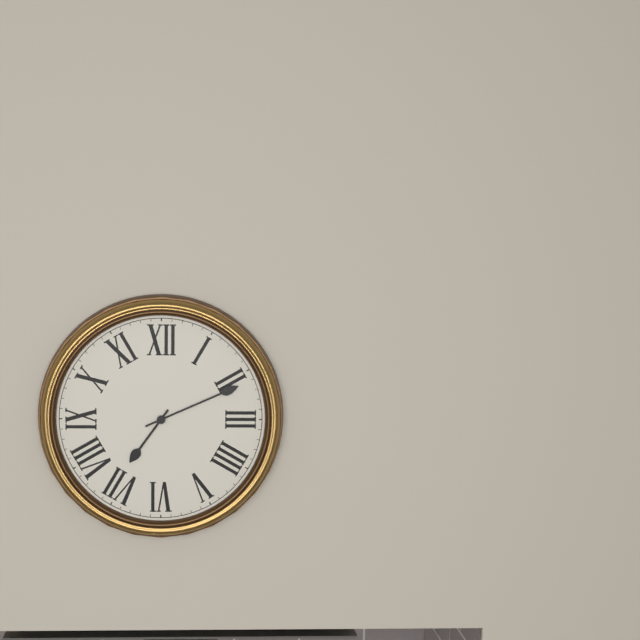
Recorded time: **7:11**
